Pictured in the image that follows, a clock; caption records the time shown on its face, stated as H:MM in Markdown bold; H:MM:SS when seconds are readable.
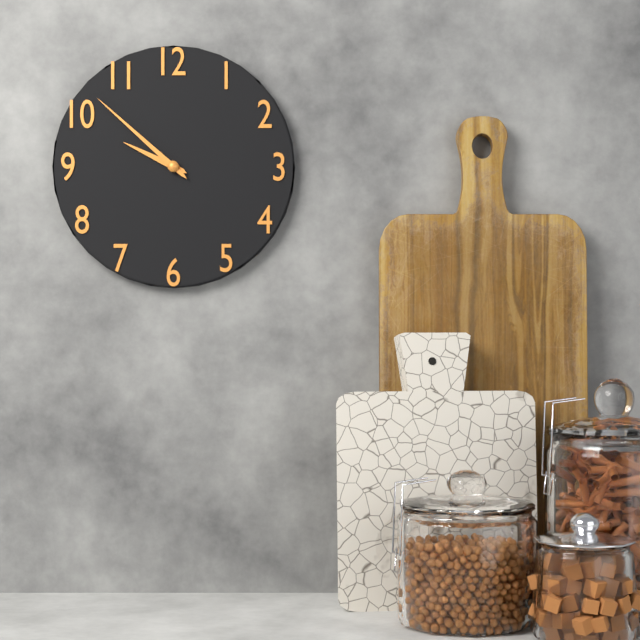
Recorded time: **9:52**
